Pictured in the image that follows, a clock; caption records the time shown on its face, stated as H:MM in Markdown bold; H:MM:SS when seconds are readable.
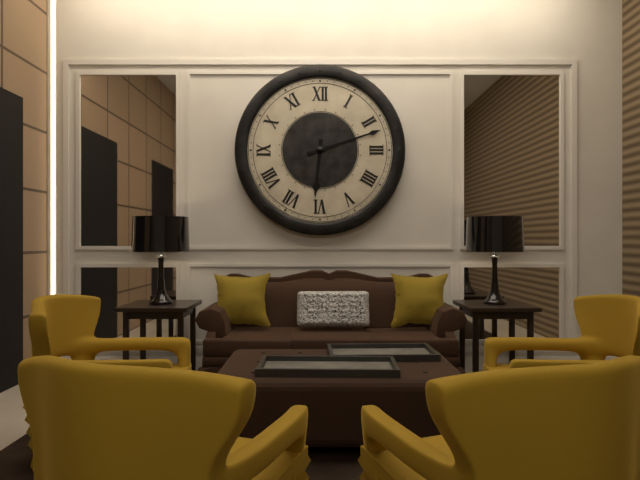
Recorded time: **6:12**
